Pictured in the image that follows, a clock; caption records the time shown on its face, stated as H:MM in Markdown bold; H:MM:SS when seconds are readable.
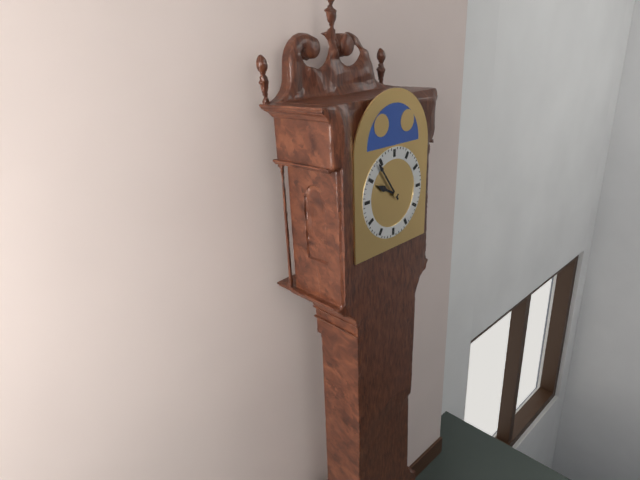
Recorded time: **9:54**
